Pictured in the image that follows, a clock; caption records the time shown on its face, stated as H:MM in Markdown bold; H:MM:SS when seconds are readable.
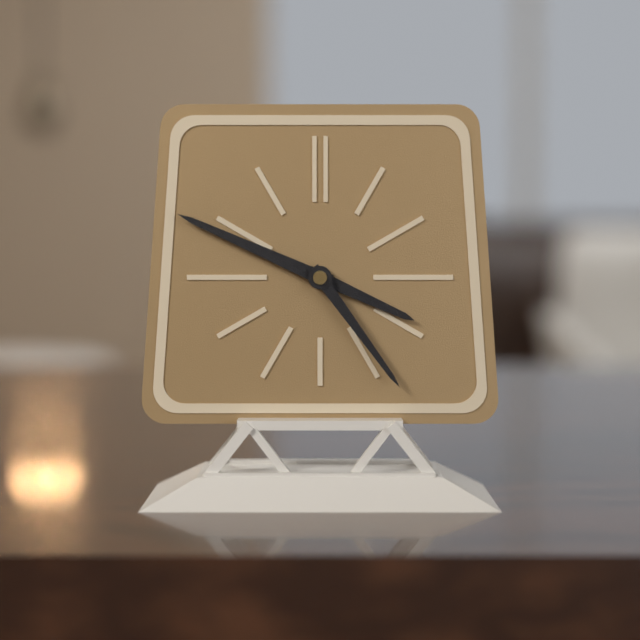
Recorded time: **3:49:24**
